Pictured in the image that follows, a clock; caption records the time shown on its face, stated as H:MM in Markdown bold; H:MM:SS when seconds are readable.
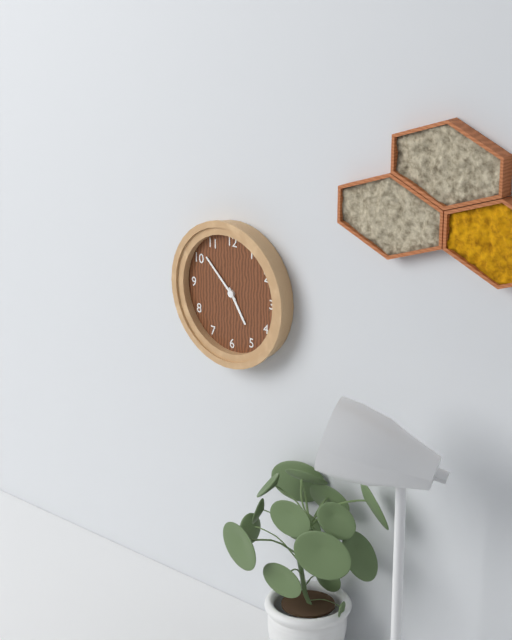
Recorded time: **4:52**
